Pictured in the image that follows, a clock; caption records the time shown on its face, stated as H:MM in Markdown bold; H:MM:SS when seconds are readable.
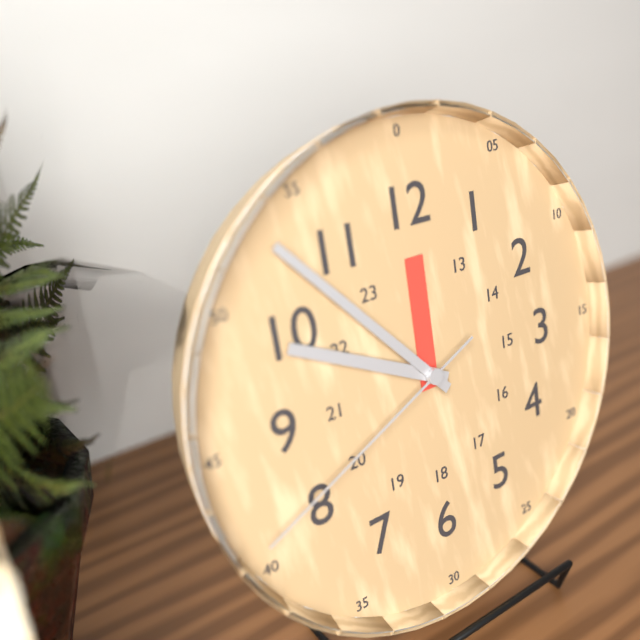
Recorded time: **9:53:41**
